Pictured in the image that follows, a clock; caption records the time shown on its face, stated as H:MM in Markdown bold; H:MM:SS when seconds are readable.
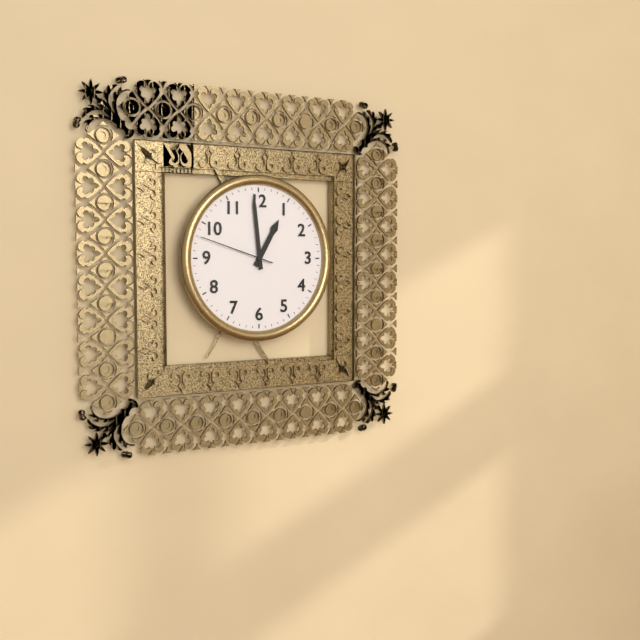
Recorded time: **12:59:48**
